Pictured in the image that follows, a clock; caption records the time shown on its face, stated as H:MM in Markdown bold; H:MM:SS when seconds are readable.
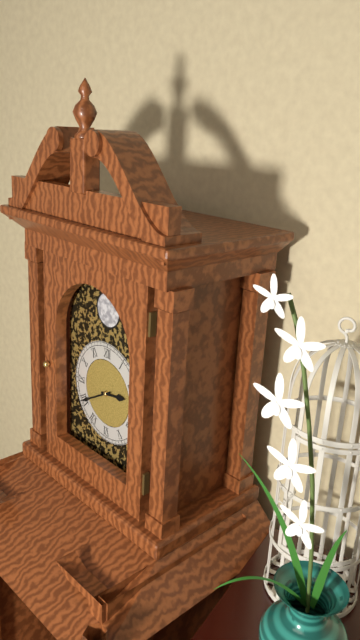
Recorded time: **2:40**
